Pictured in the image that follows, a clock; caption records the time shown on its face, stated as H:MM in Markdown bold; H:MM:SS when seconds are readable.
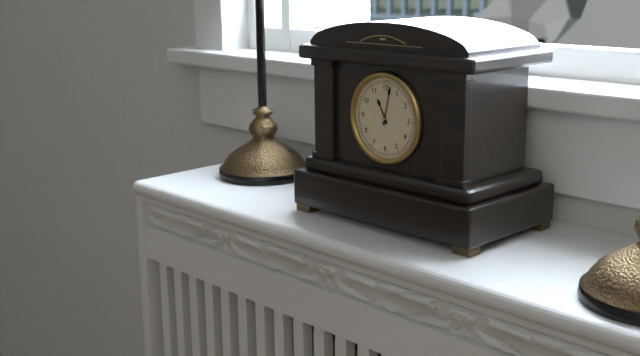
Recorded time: **11:02**
